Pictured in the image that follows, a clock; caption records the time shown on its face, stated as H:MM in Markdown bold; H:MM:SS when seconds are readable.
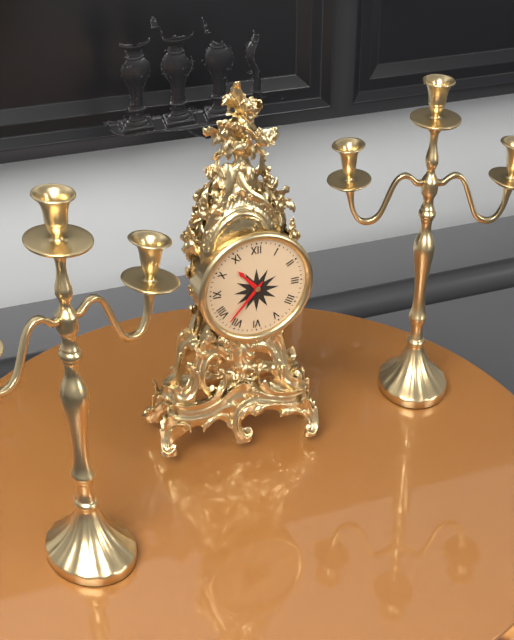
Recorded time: **10:37**
